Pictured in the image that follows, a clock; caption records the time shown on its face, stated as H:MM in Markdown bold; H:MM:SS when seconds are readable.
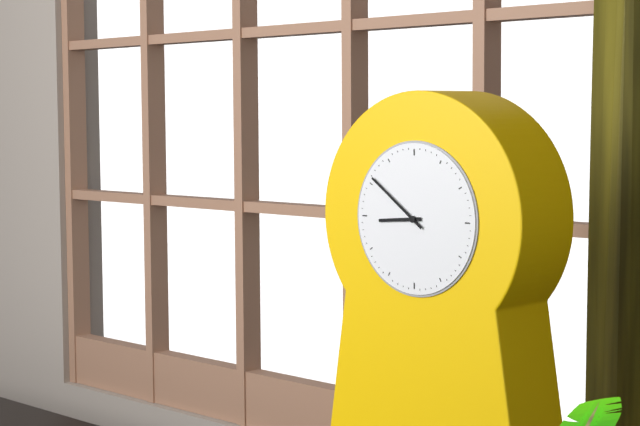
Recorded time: **8:51**
